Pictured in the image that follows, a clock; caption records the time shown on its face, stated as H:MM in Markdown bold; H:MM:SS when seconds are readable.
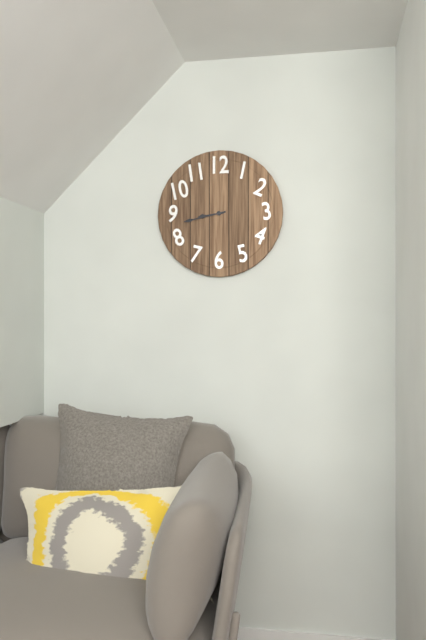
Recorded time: **8:43**
